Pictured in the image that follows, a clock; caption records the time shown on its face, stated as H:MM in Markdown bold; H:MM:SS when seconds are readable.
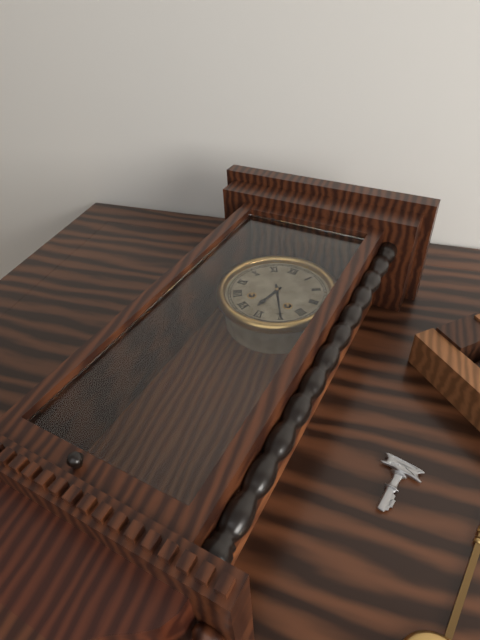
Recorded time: **6:25**
